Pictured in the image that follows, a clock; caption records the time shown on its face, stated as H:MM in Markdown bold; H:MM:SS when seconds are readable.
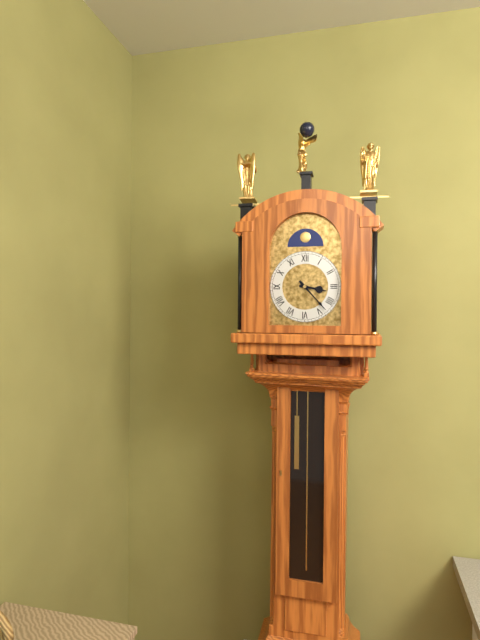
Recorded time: **3:23**
